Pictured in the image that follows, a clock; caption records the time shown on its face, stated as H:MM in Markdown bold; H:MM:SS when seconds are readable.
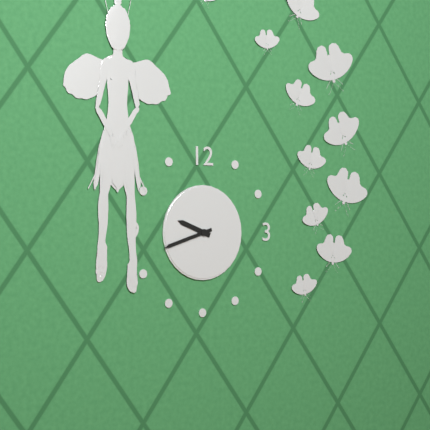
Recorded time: **9:42**
